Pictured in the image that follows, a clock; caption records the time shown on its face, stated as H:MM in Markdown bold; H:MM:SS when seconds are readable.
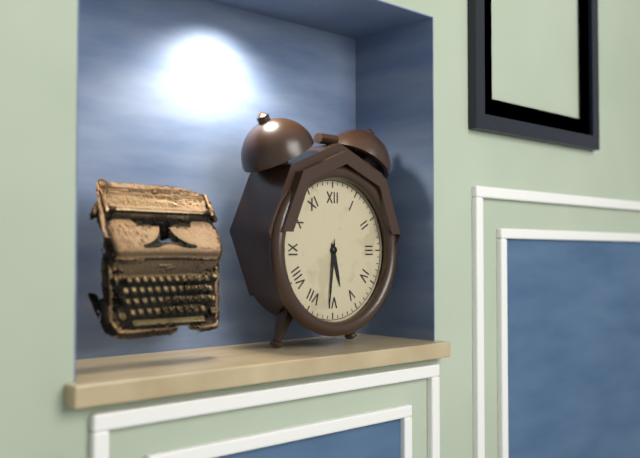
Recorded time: **5:31**
